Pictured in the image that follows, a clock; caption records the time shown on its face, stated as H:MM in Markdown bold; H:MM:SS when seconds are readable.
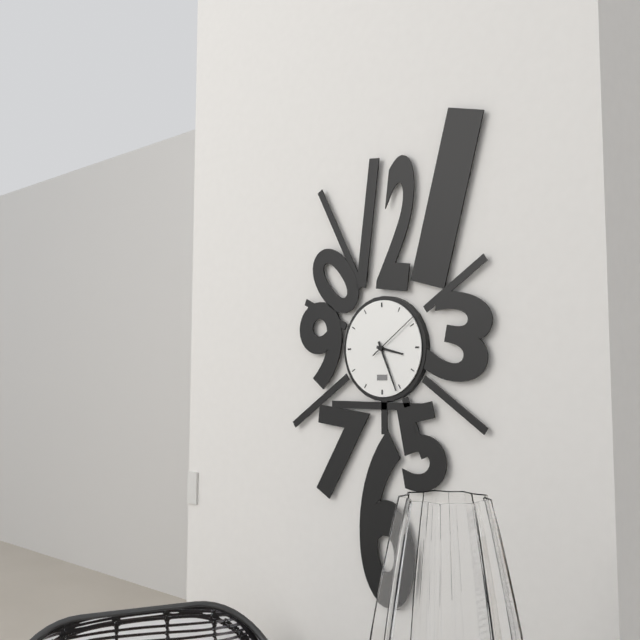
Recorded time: **3:26:09**
